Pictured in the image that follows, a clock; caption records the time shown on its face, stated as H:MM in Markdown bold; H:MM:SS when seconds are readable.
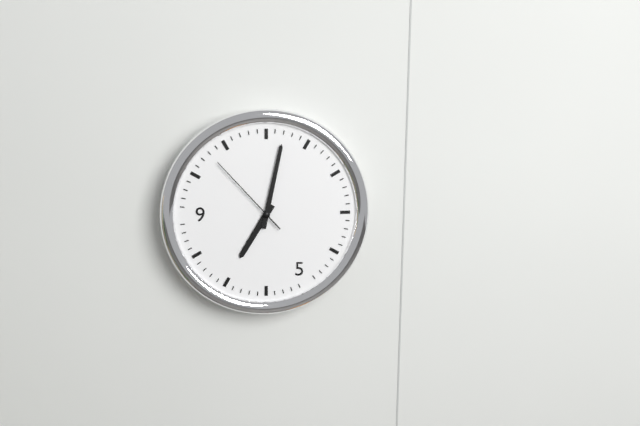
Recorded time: **7:02:53**
